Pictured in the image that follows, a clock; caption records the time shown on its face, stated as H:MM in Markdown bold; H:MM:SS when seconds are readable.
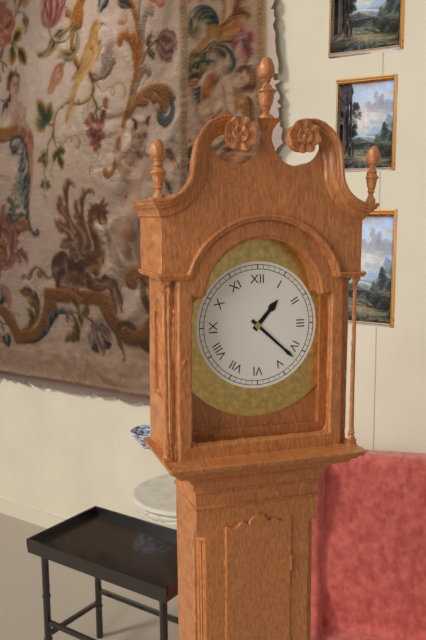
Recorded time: **1:22**
